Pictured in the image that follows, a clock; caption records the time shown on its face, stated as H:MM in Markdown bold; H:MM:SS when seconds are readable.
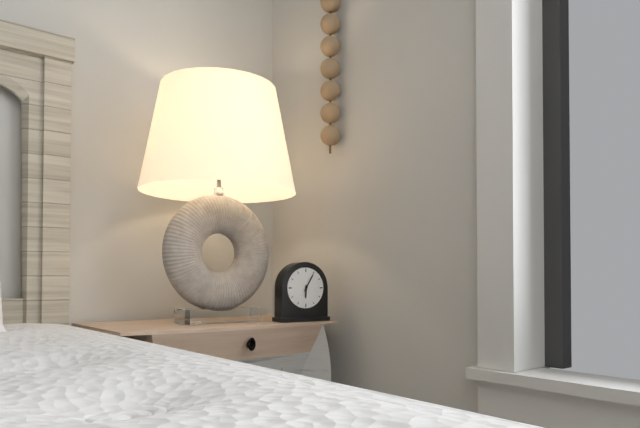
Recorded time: **6:05**
